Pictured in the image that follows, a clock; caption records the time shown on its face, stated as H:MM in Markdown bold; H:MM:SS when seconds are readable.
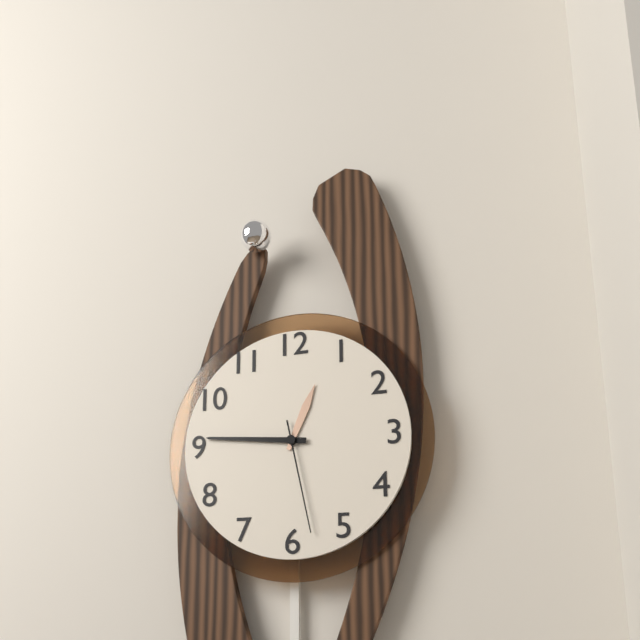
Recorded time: **12:46:28**
